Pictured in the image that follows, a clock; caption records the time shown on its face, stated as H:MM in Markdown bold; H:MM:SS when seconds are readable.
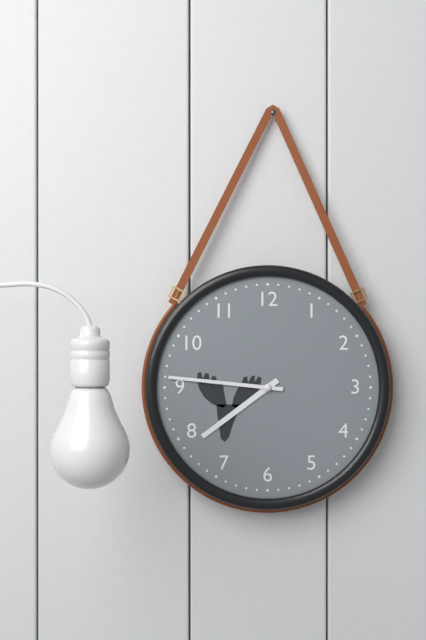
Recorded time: **7:46**
